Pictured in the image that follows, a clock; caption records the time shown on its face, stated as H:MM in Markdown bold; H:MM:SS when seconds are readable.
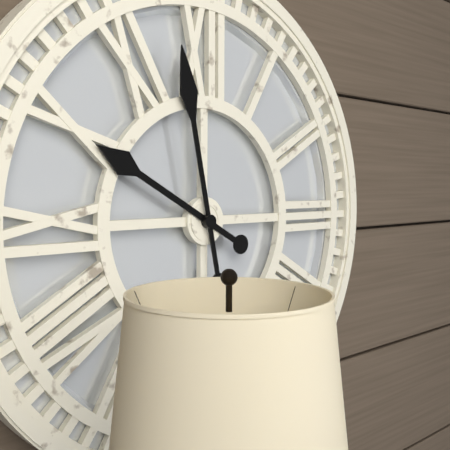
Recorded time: **9:58**
